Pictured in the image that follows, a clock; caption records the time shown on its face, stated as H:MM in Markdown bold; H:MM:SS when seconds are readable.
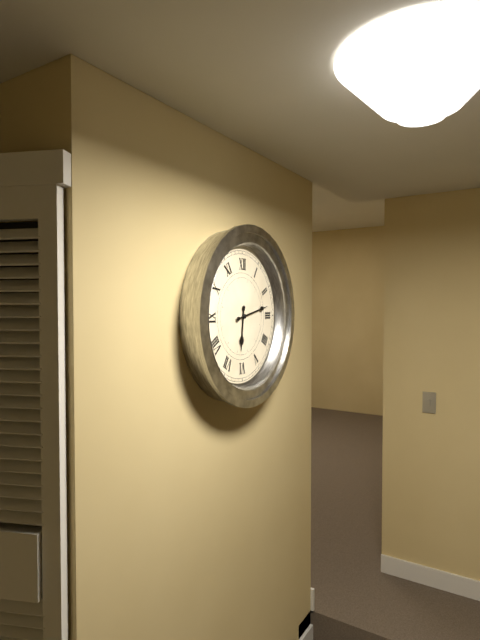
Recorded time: **6:13**
